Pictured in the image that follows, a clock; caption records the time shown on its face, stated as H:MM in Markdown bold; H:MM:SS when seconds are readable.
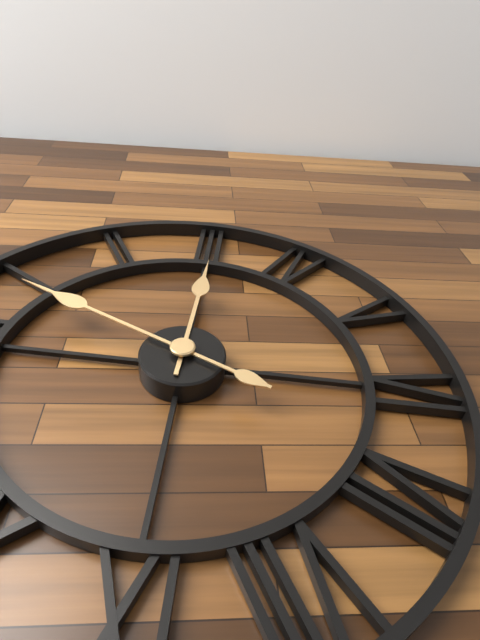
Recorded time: **3:04**
